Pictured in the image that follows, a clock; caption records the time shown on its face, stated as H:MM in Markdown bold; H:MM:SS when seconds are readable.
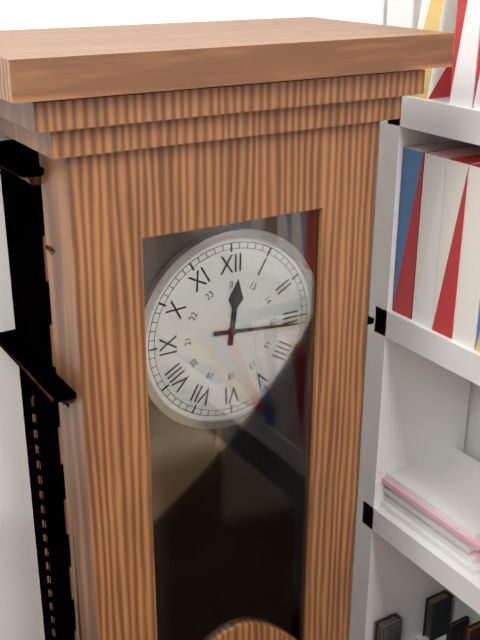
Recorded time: **12:16**
